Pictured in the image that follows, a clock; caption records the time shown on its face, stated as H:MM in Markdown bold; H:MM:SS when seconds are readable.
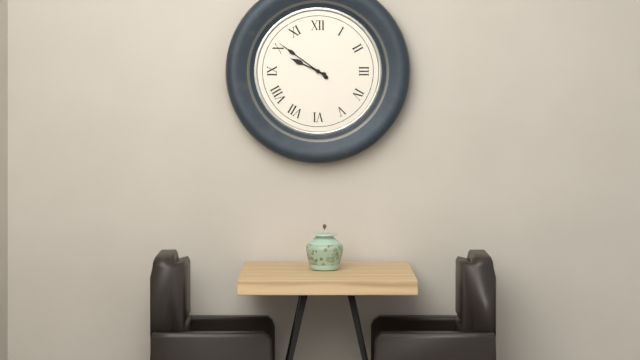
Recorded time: **9:51**
